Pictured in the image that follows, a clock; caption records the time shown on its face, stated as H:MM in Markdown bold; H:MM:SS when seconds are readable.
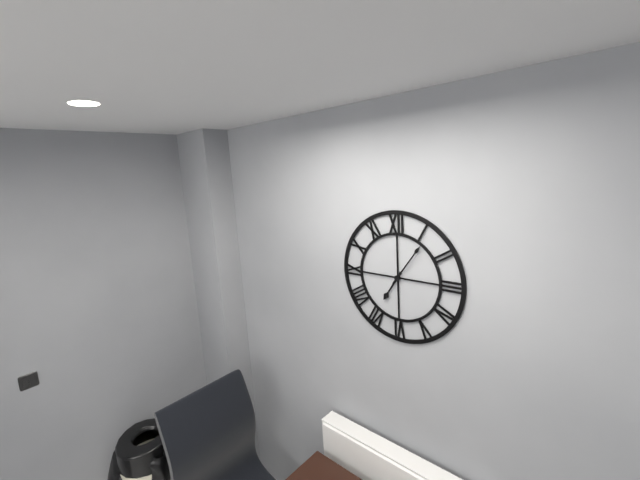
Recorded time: **7:06**
